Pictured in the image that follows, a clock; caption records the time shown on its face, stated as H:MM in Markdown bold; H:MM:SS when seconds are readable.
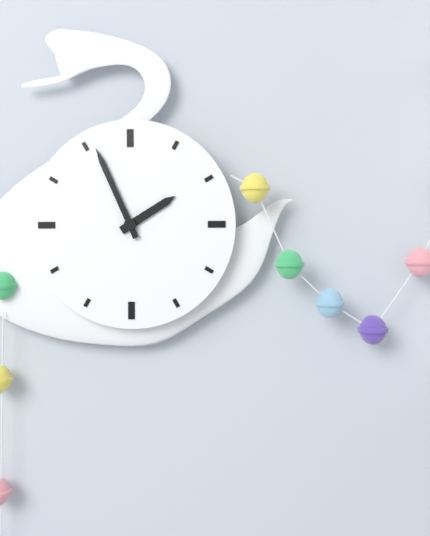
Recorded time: **1:56**
